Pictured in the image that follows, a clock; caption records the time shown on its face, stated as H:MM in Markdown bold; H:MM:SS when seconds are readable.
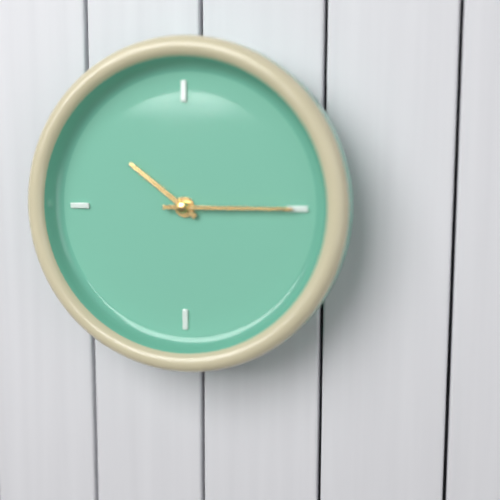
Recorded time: **10:15**
